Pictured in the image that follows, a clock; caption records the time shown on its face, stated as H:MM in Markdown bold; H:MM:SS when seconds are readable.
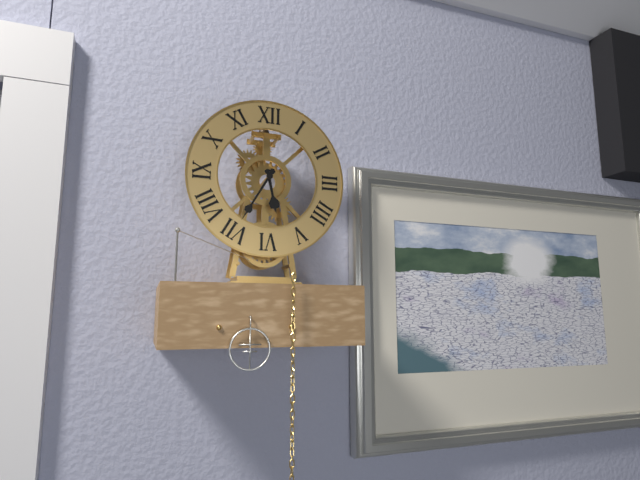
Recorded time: **5:35**
